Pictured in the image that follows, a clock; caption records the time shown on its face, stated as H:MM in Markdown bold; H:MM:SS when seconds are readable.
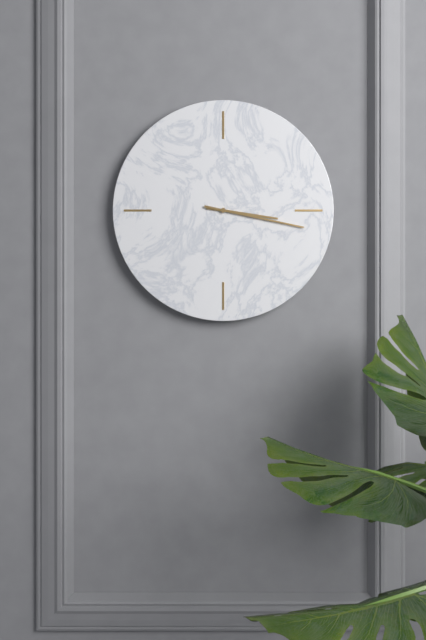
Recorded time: **3:17**
